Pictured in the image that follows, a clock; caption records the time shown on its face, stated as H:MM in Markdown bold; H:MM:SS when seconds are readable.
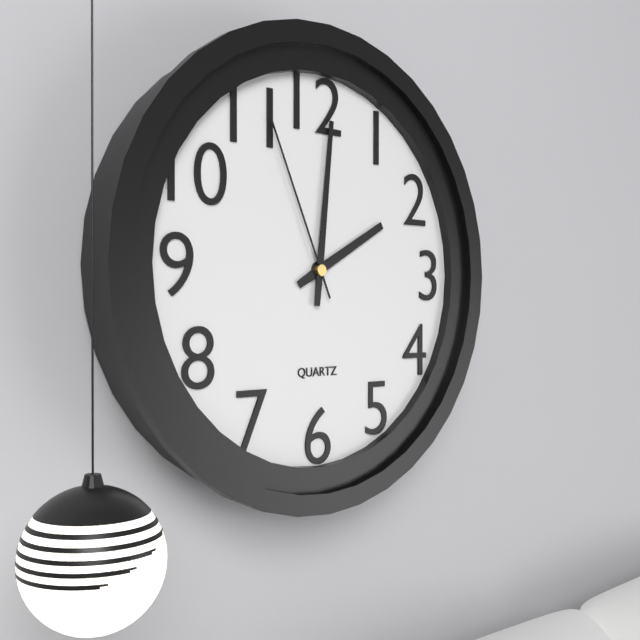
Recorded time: **2:01:56**
